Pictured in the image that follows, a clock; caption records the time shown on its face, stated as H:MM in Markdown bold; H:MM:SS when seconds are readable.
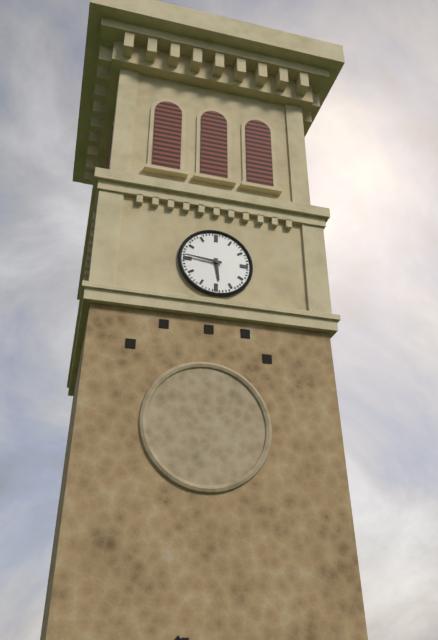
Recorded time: **5:46**
